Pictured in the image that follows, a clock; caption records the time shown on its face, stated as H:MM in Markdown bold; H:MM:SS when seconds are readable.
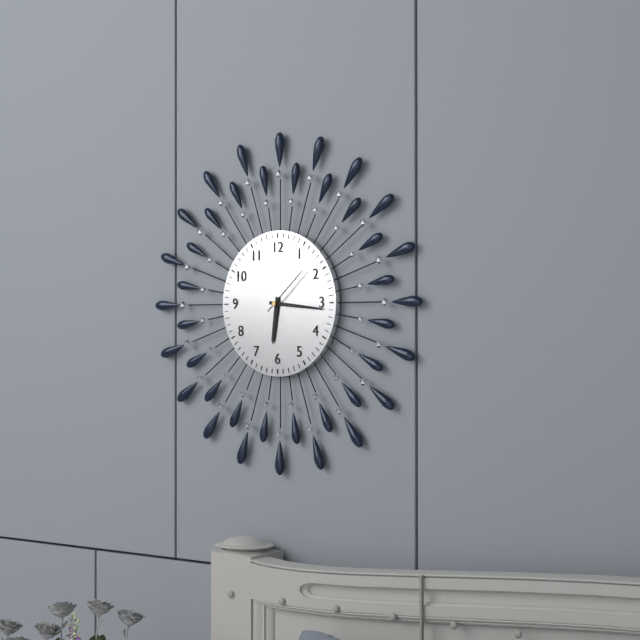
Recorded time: **6:16:08**
